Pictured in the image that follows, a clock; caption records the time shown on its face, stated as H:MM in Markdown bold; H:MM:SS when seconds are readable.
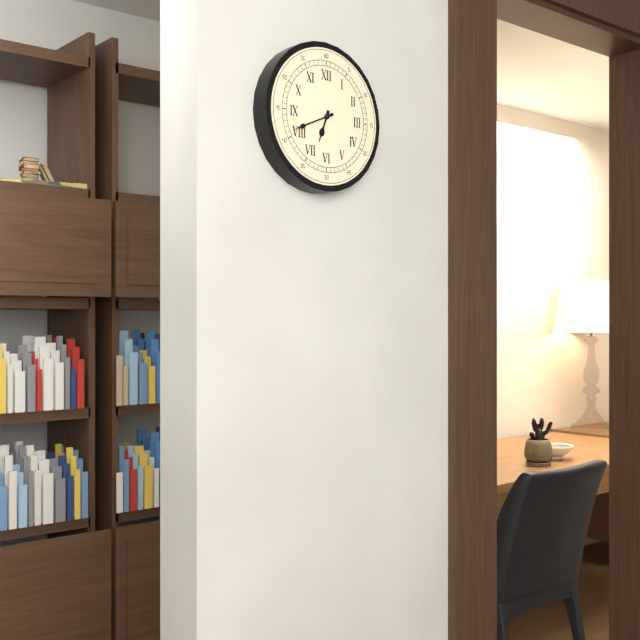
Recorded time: **6:41**
